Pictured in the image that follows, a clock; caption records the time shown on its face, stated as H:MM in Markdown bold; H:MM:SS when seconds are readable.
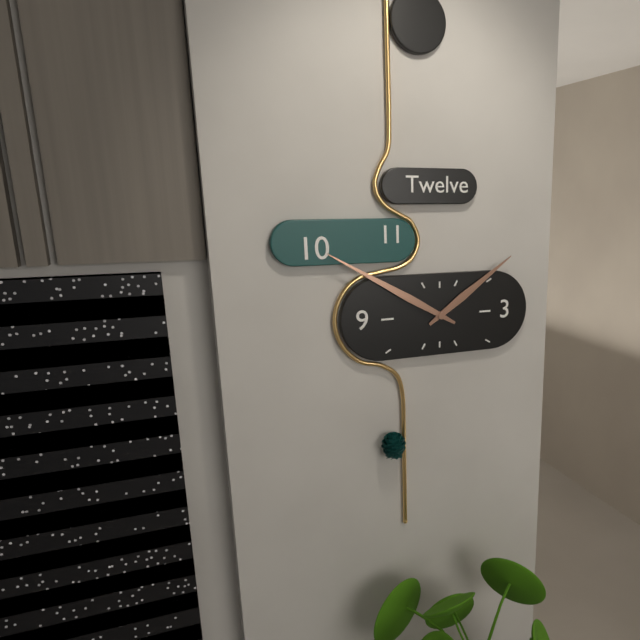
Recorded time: **1:50**
